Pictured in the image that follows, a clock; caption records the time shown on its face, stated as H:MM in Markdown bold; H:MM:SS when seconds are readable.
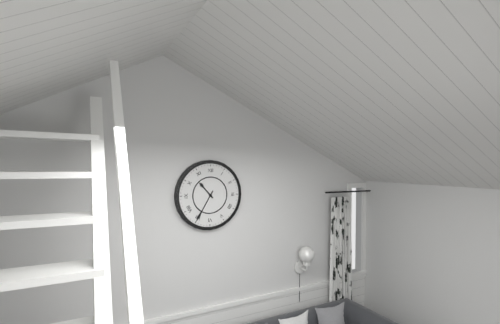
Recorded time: **10:35**
